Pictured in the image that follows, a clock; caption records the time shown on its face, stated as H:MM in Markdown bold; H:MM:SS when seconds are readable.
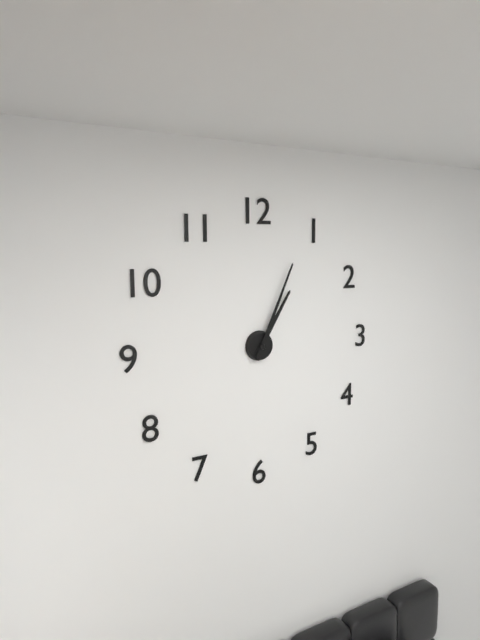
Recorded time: **1:04**
